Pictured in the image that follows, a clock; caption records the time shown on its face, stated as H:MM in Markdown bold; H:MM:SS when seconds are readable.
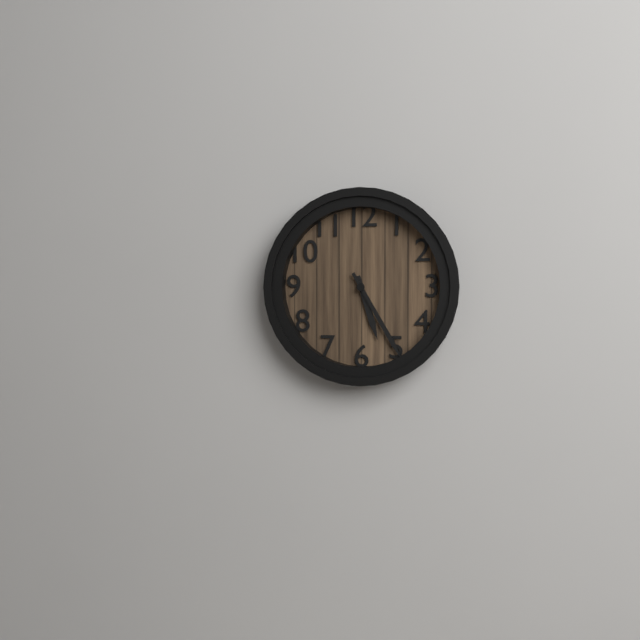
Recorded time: **5:25**
